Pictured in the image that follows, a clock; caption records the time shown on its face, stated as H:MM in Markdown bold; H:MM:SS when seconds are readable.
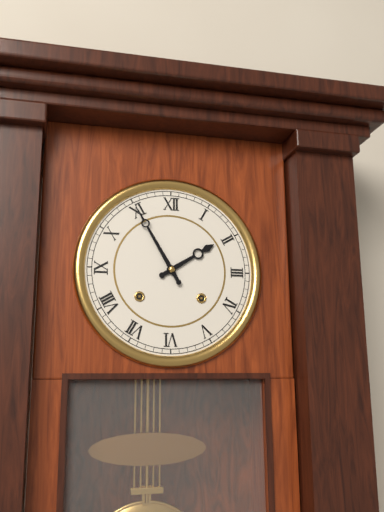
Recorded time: **1:55**
